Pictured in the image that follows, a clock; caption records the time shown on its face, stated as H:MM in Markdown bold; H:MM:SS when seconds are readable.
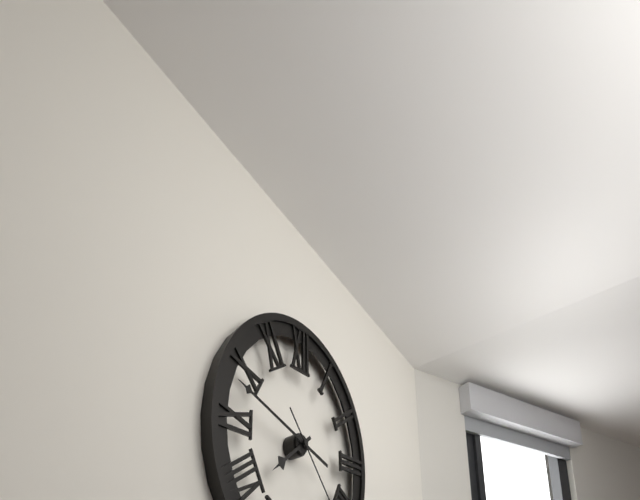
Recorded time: **7:48**
